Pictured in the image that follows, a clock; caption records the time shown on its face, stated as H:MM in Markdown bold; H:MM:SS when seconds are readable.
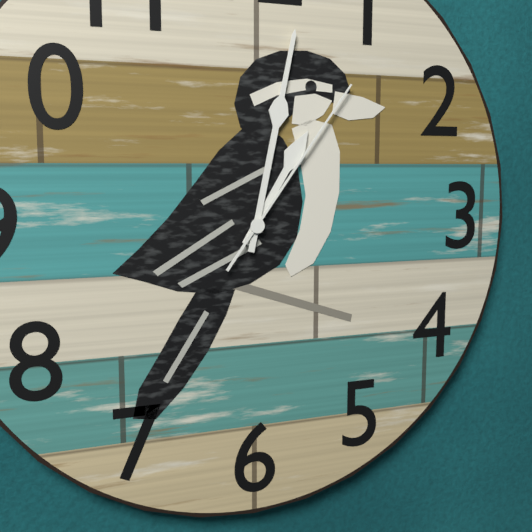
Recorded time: **1:02:06**
